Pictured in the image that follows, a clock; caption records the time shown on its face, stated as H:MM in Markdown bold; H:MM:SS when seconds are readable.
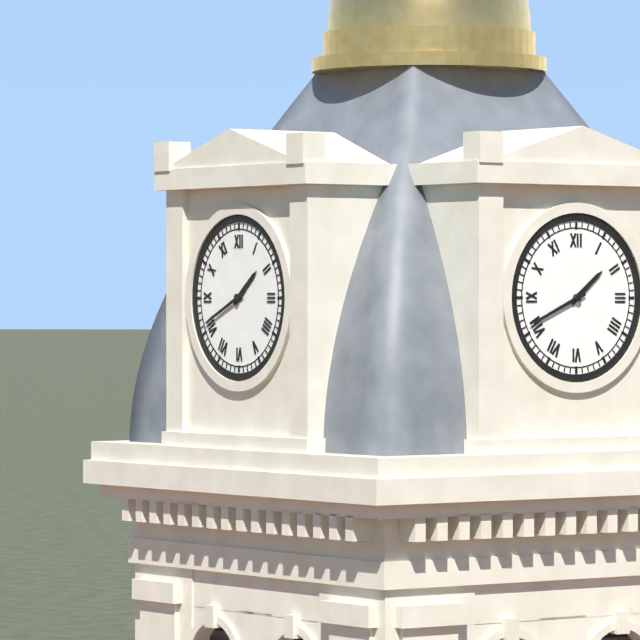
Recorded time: **1:41**
